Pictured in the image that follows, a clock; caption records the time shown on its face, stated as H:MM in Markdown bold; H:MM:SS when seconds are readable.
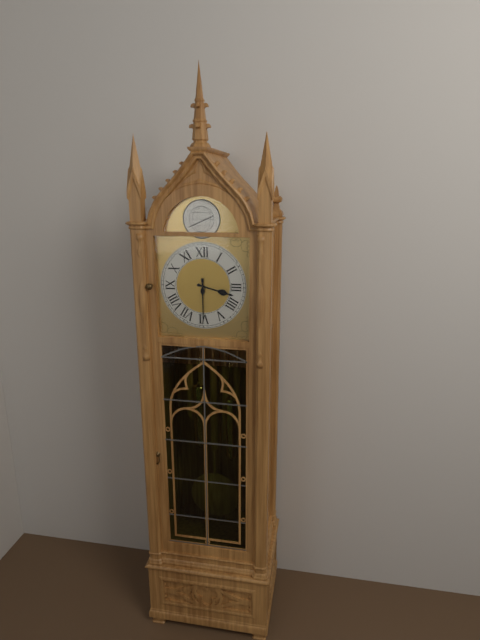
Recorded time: **3:30**
